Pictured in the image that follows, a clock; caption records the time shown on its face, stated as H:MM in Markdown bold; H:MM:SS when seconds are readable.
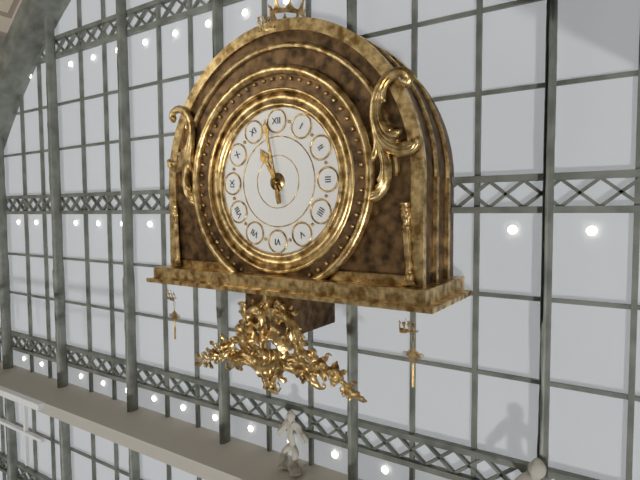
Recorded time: **10:58**
